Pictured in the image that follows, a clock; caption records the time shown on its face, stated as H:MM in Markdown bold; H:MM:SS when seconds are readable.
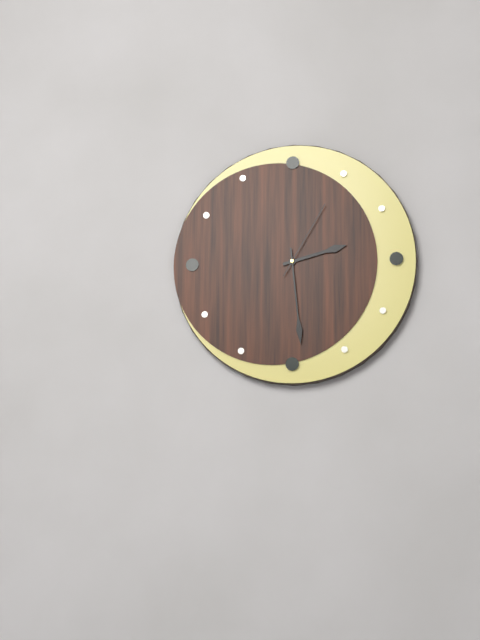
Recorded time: **2:29:05**
